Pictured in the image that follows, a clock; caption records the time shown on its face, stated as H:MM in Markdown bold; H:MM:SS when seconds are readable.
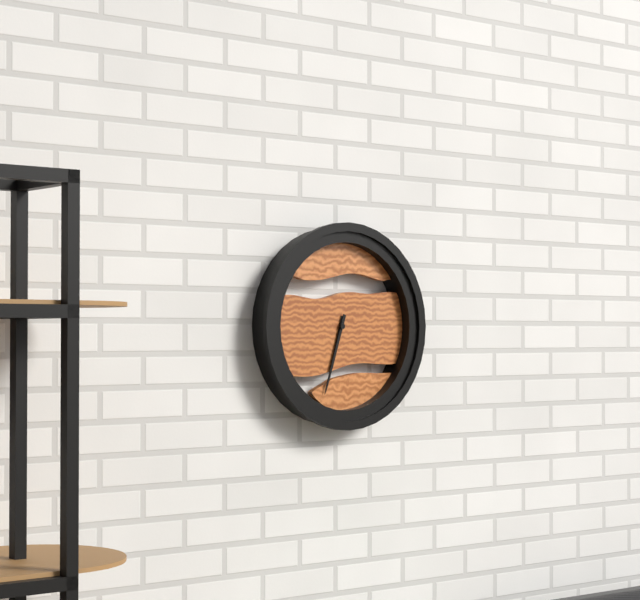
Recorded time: **6:33**
